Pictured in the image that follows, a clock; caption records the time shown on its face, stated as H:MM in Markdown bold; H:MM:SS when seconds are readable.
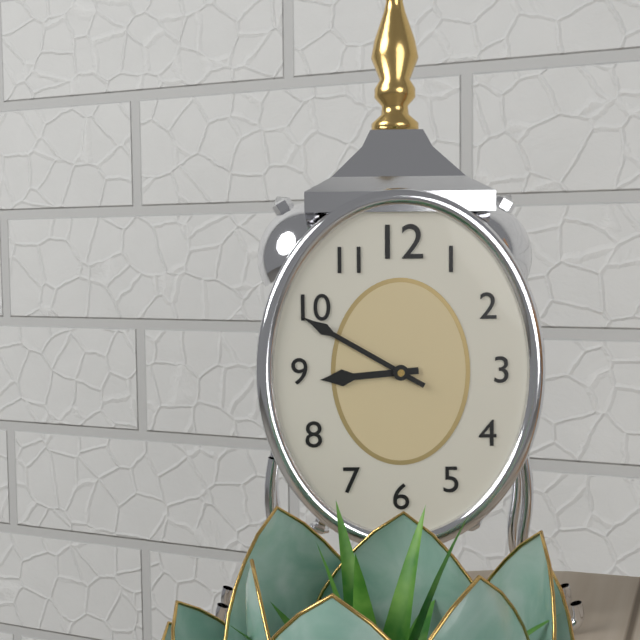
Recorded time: **8:50**
